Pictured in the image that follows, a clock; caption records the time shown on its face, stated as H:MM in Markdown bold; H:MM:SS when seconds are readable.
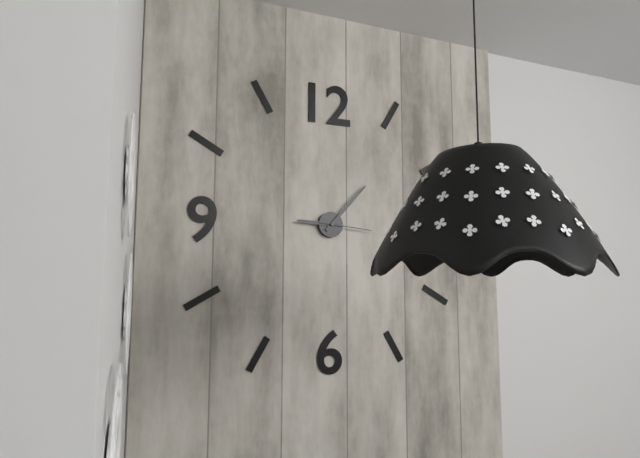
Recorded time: **9:07:16**
